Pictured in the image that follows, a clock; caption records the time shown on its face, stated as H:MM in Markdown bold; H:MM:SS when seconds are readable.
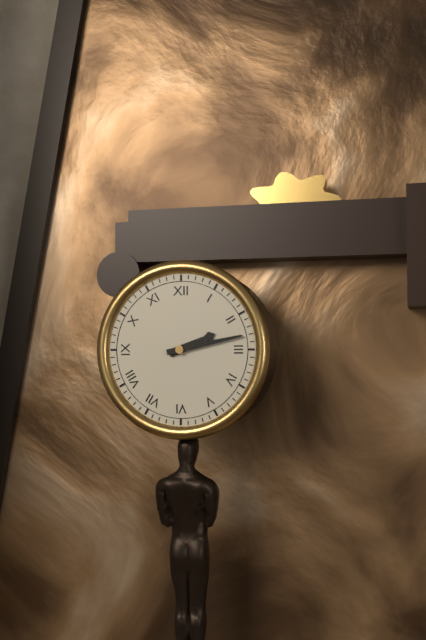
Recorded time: **2:13**
